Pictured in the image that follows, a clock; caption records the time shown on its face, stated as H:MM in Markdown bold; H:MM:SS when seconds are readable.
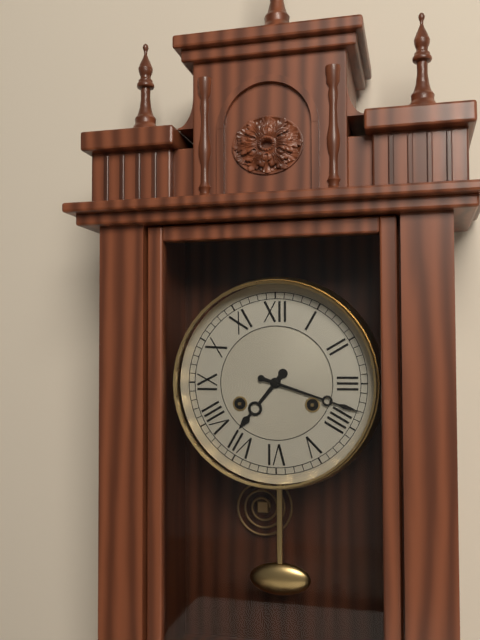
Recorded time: **7:18**
